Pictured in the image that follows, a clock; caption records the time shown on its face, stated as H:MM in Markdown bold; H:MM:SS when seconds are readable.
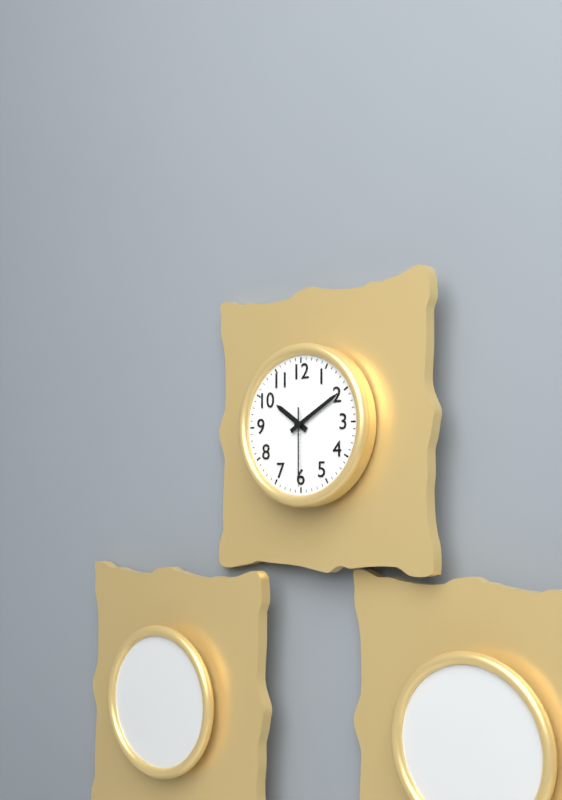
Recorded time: **10:10:30**
